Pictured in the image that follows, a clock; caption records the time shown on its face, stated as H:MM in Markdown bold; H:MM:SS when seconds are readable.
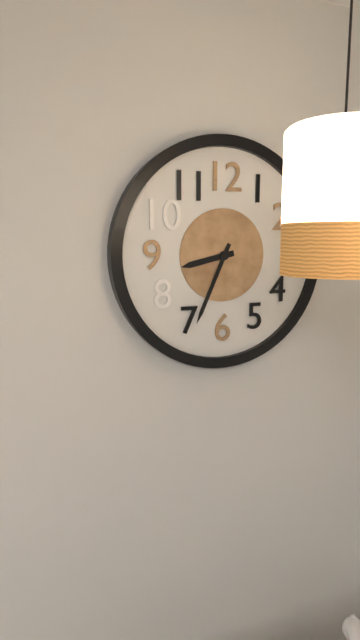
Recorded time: **8:34**
